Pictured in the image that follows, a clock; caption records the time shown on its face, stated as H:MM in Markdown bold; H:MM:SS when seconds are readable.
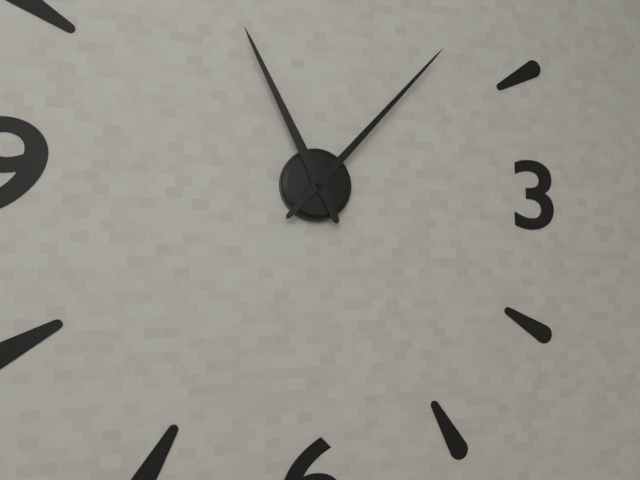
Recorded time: **11:07**
